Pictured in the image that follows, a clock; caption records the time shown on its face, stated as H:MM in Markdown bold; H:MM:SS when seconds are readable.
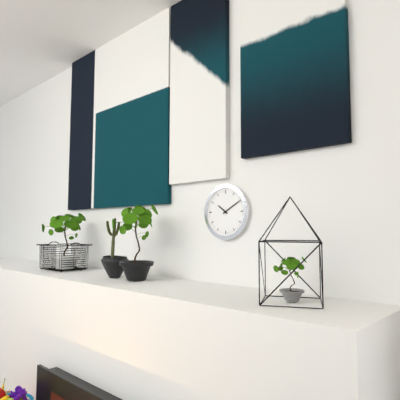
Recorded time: **10:10**
